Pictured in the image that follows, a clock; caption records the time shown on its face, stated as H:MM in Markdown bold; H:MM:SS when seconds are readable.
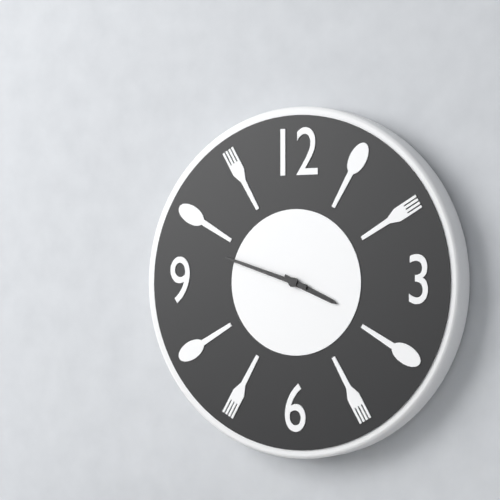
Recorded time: **3:48**
